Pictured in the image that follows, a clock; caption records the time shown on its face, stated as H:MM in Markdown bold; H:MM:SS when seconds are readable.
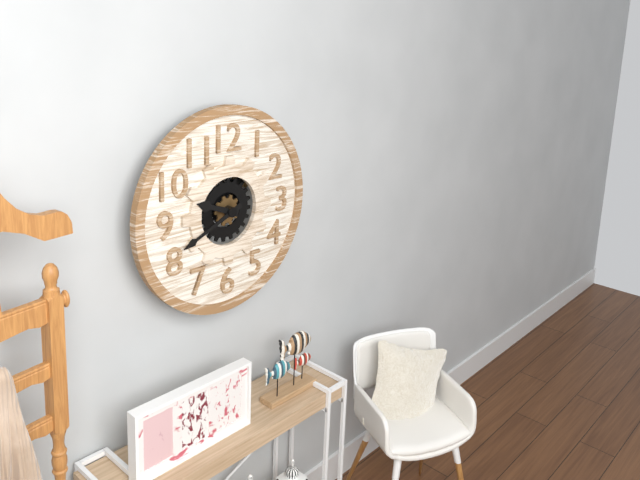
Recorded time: **9:41**
